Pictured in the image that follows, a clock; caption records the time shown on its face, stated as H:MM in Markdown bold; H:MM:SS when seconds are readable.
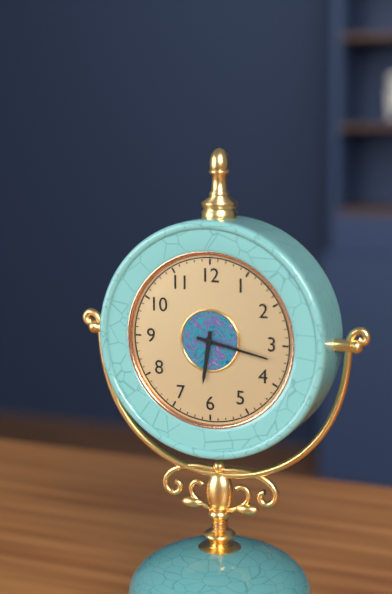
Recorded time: **6:17**
